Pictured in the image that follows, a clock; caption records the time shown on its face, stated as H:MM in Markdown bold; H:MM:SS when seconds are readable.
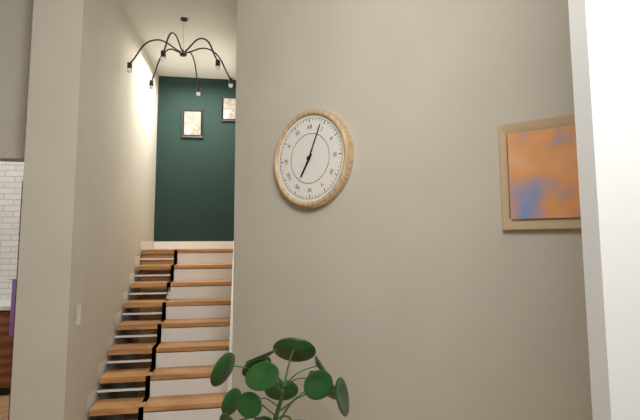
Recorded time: **7:04**
